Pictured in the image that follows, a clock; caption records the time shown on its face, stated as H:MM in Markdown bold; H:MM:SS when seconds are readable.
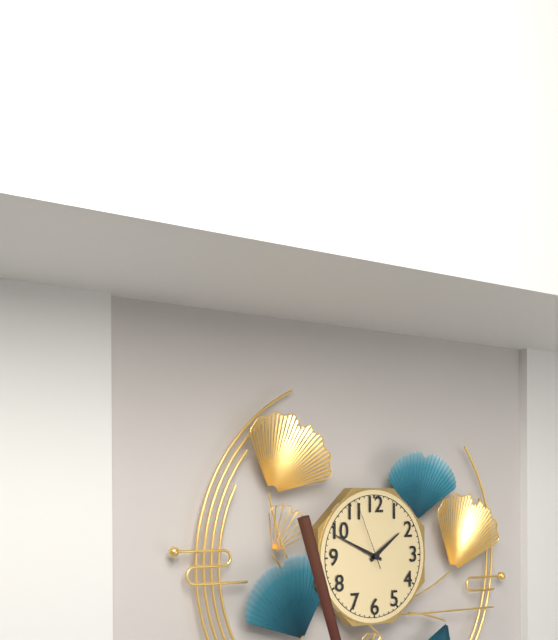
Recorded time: **1:49:56**
